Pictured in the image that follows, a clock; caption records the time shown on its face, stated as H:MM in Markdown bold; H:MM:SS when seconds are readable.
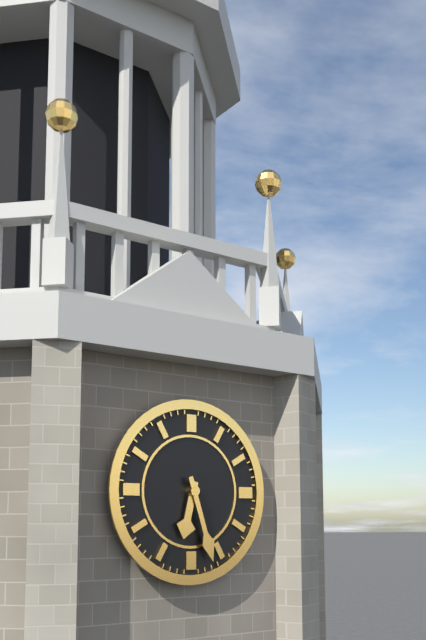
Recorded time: **6:27**
